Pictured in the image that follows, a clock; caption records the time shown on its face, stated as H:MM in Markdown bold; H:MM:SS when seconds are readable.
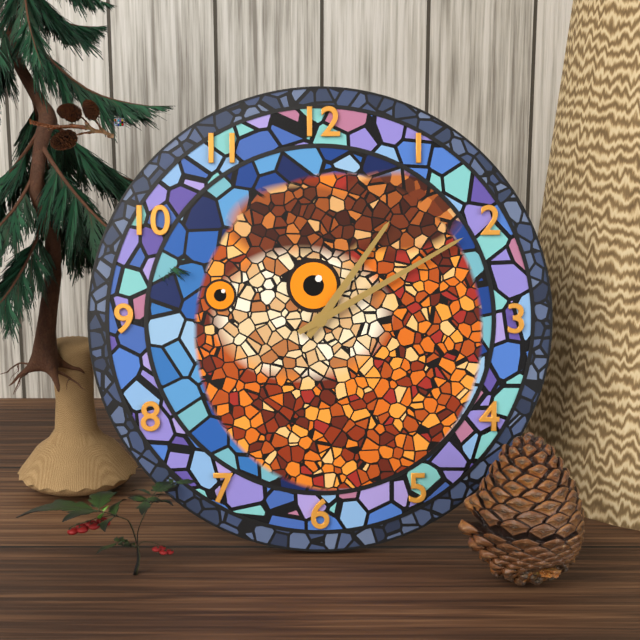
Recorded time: **1:10**
